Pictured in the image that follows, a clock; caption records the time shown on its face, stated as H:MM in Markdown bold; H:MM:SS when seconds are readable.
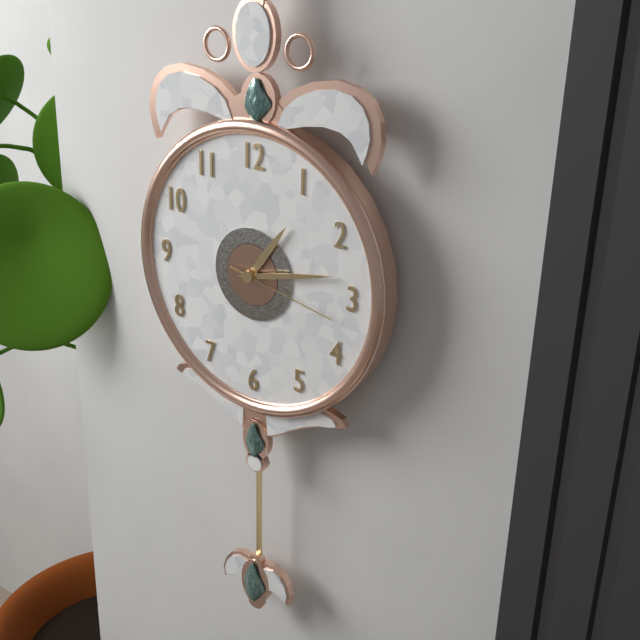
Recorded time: **1:13:17**
